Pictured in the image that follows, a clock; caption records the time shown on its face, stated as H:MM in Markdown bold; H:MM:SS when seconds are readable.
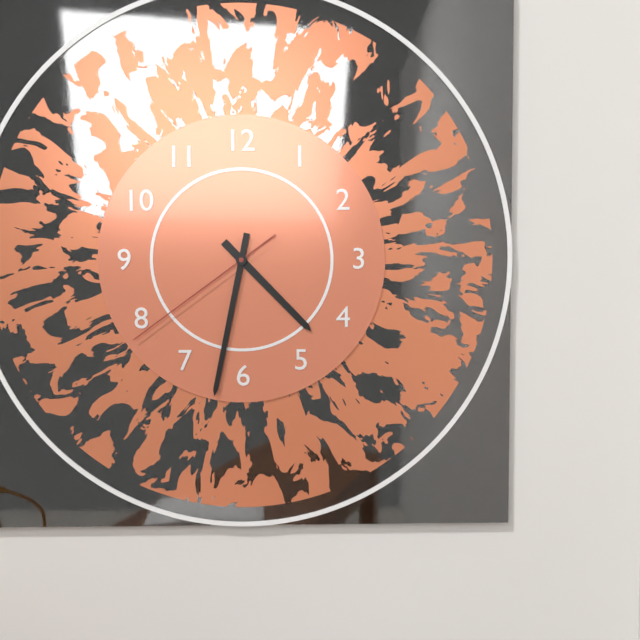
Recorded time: **4:32:39**
